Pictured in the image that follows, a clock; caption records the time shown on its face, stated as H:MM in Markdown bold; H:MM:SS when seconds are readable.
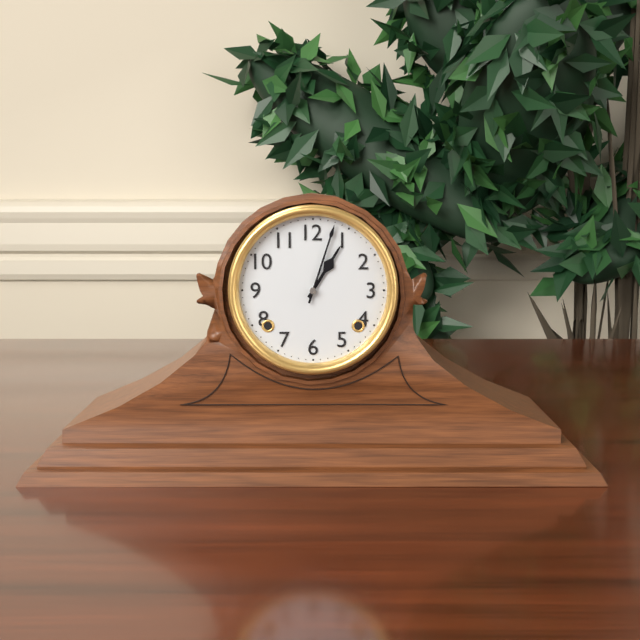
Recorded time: **1:03**
